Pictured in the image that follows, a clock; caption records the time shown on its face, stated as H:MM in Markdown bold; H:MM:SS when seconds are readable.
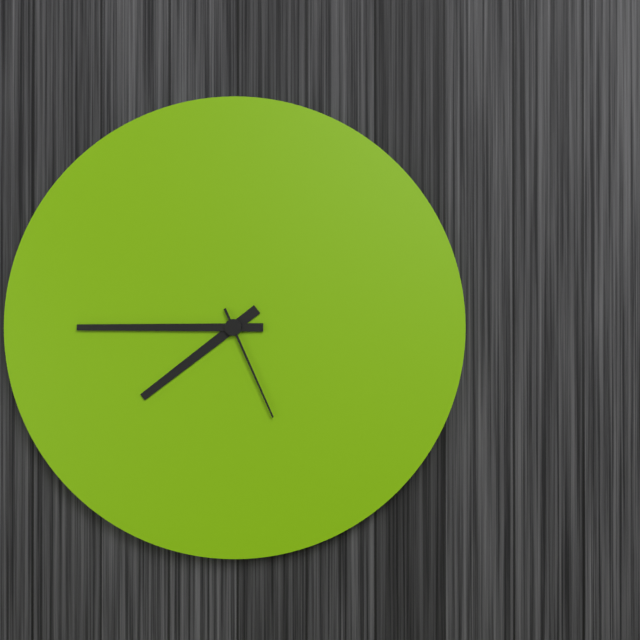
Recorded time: **7:45:26**
